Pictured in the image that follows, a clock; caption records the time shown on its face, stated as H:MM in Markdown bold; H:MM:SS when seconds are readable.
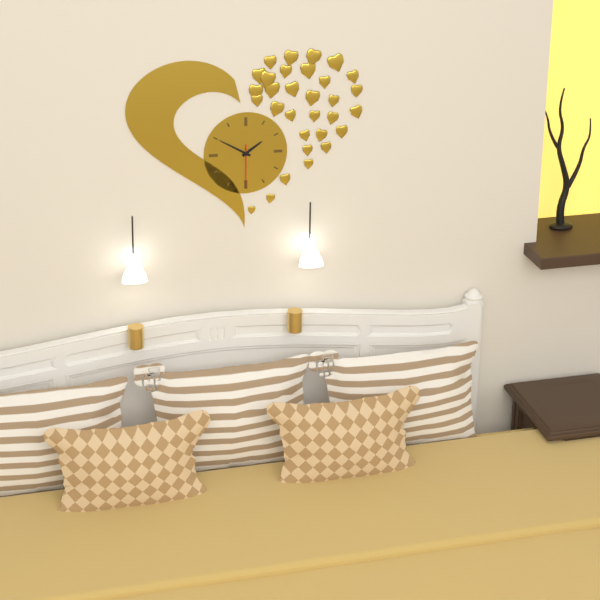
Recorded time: **1:50**
